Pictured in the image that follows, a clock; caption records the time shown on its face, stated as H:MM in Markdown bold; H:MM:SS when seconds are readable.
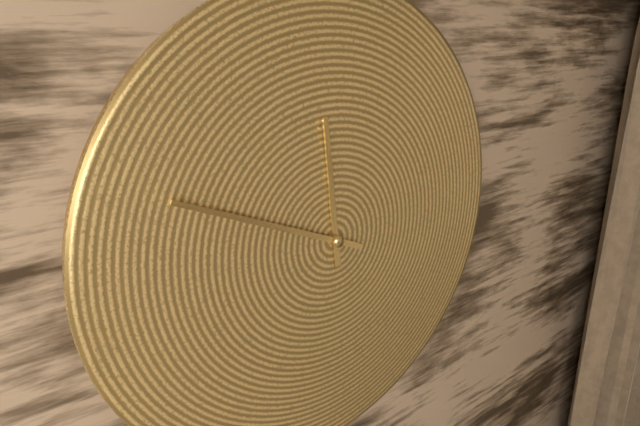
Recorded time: **11:49**
